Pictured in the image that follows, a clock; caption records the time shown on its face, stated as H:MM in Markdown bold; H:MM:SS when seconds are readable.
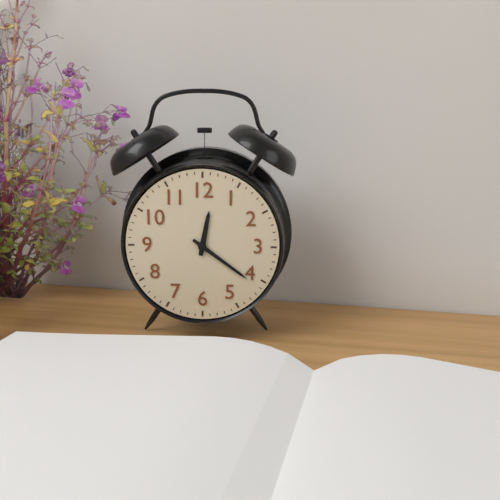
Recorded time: **12:21**
